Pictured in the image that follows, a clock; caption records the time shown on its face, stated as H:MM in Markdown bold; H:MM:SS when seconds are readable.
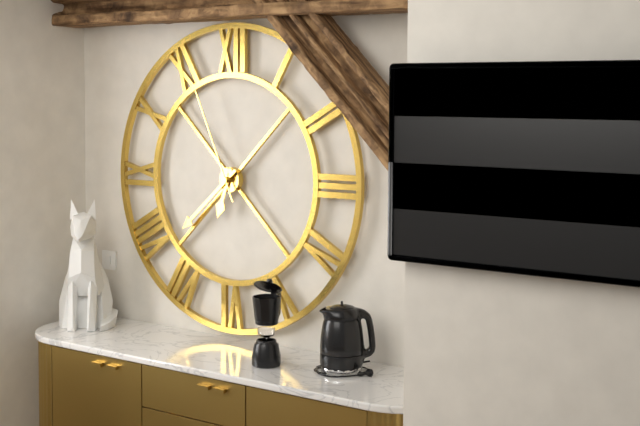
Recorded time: **6:38:56**
